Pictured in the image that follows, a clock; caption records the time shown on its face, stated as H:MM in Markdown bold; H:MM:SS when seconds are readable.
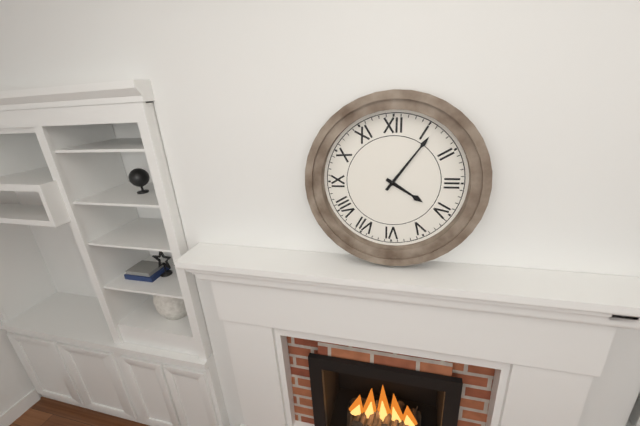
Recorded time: **4:06**
